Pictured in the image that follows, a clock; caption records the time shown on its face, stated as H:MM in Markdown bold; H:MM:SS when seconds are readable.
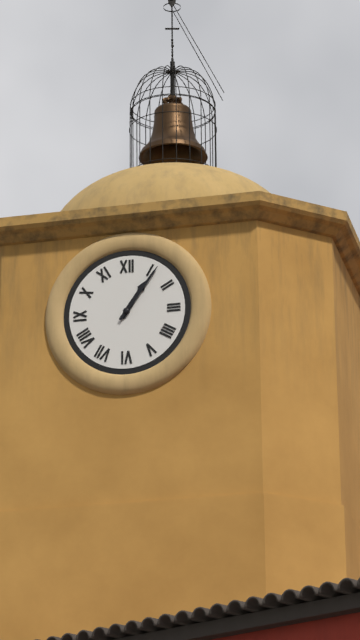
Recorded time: **1:06**
